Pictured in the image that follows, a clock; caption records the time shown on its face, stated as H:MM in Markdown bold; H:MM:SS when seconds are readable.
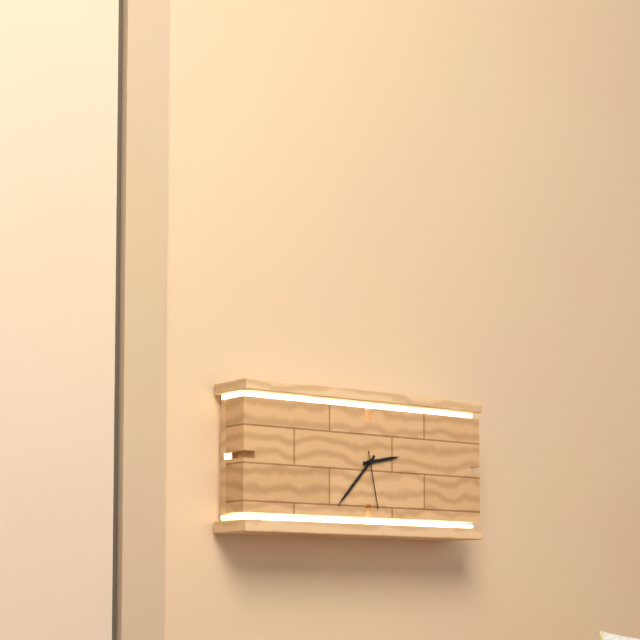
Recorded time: **2:37:28**
